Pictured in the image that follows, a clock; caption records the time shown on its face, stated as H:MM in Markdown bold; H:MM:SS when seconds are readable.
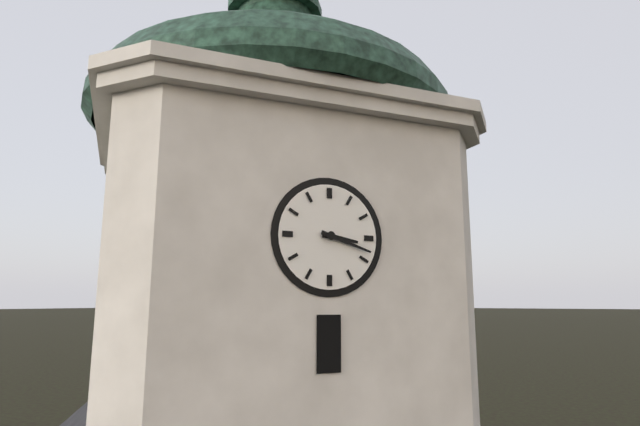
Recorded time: **3:18**
